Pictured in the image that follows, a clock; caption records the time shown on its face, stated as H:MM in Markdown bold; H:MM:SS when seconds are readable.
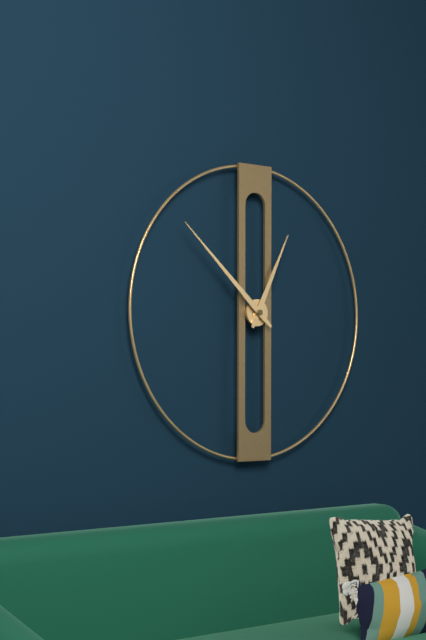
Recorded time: **12:52**
